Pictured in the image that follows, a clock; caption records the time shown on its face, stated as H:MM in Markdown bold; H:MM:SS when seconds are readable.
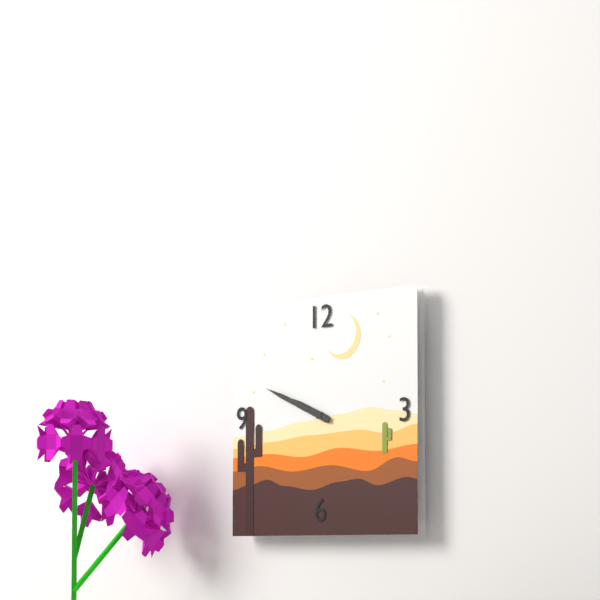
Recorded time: **9:49**
